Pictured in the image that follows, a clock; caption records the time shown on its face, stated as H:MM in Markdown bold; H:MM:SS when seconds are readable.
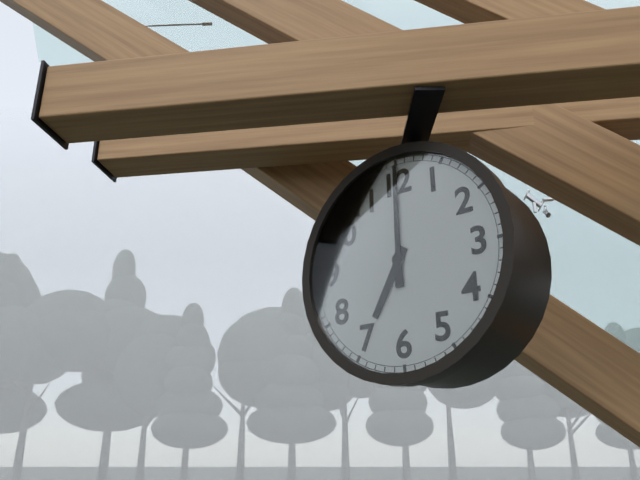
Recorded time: **7:00**
